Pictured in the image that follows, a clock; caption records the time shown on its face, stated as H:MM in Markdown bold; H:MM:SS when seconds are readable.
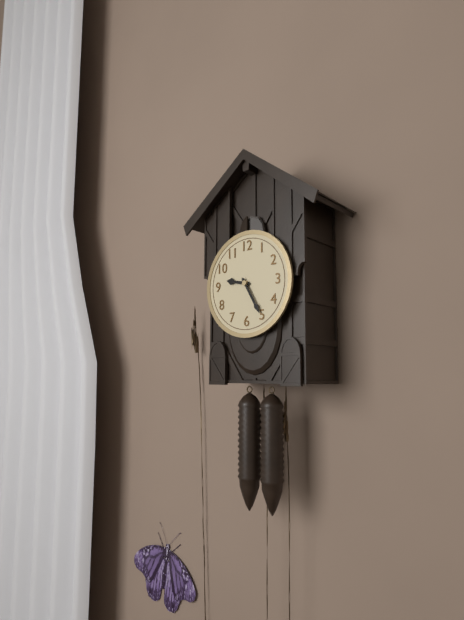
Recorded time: **9:25**
